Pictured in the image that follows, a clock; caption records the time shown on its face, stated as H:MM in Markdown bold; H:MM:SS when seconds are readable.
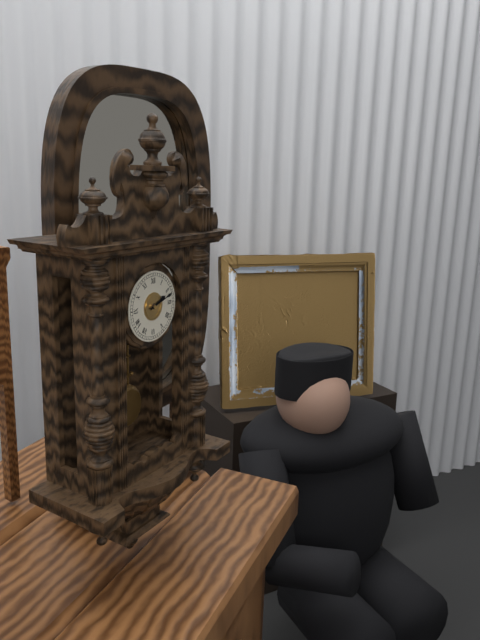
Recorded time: **2:12**
